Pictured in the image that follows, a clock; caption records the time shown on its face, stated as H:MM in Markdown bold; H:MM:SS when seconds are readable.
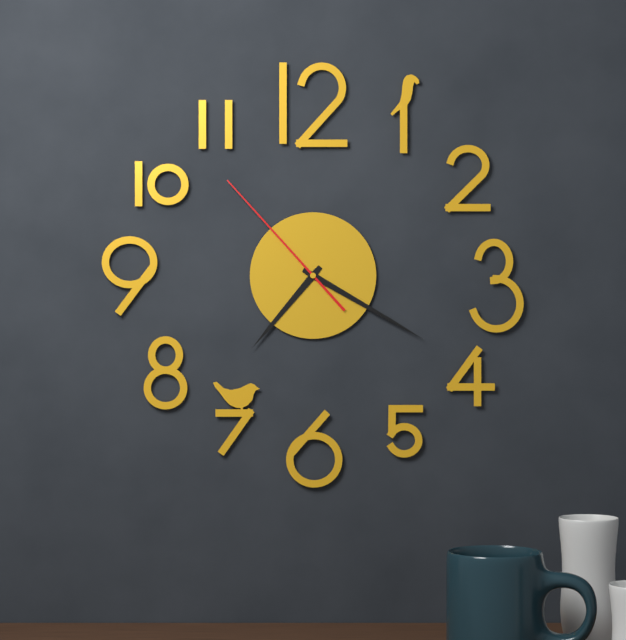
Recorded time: **7:20:53**
